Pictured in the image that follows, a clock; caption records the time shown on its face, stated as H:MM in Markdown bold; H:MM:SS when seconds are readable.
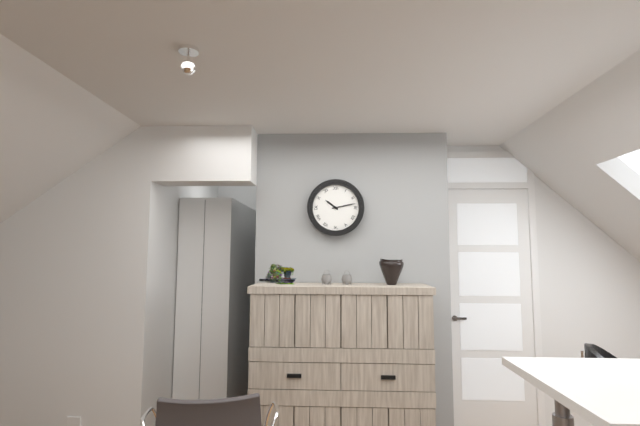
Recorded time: **10:13**
